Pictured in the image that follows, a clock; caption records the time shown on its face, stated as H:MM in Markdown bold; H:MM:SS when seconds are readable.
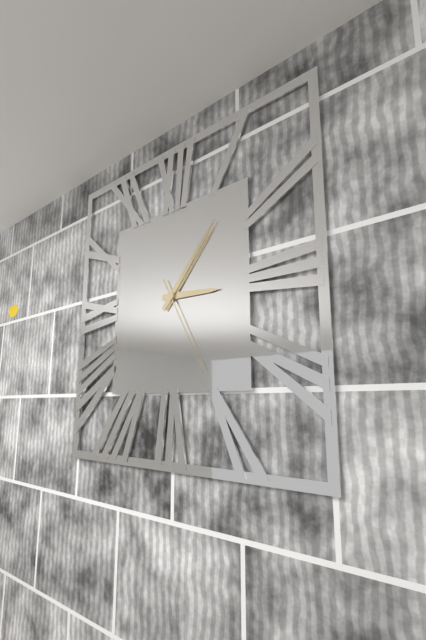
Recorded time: **3:07:25**
